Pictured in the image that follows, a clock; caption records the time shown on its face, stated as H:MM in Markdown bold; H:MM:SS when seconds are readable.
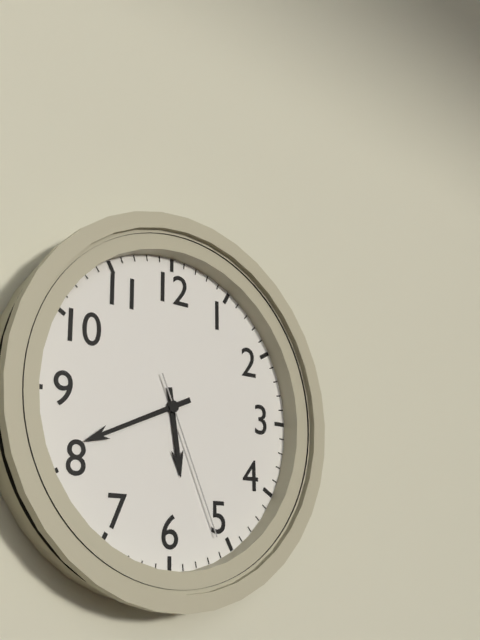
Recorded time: **5:41:26**
